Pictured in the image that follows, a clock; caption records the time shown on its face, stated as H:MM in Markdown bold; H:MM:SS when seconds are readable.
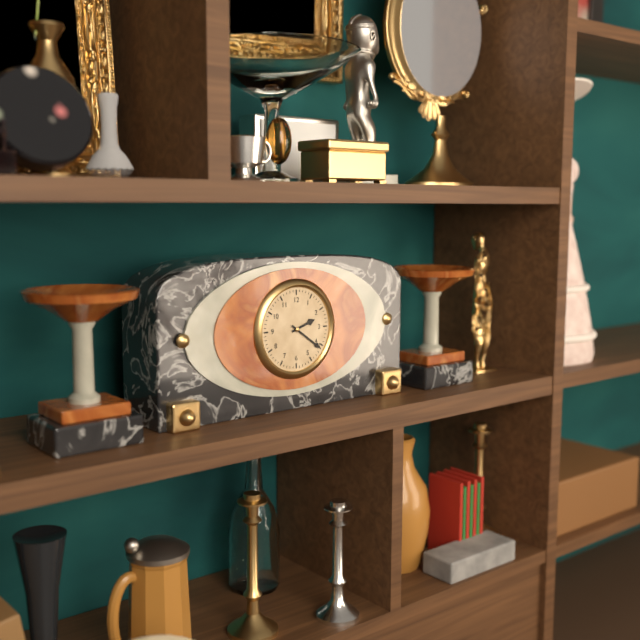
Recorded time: **2:21**
